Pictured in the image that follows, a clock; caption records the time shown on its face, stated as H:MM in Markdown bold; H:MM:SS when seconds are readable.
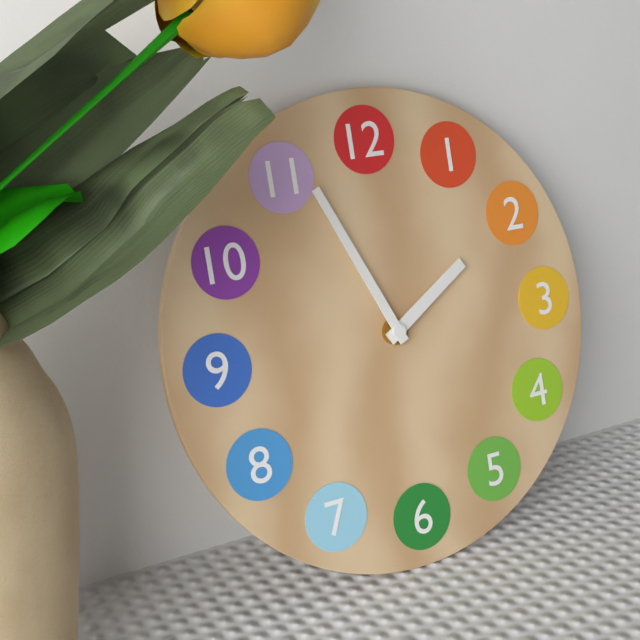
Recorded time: **1:56**
